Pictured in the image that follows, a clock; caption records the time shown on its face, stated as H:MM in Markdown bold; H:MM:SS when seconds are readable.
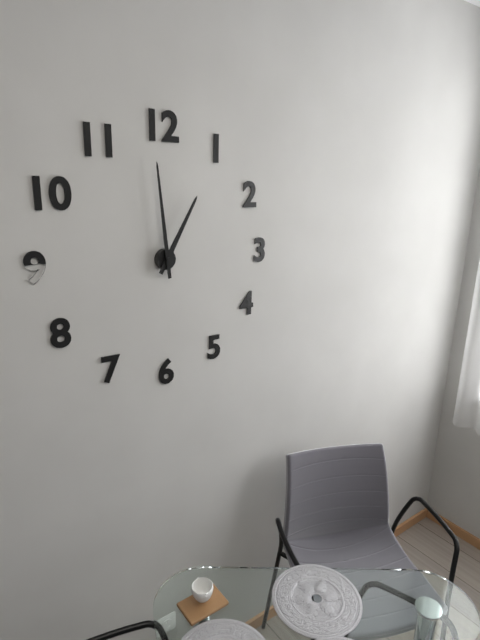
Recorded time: **12:59**
